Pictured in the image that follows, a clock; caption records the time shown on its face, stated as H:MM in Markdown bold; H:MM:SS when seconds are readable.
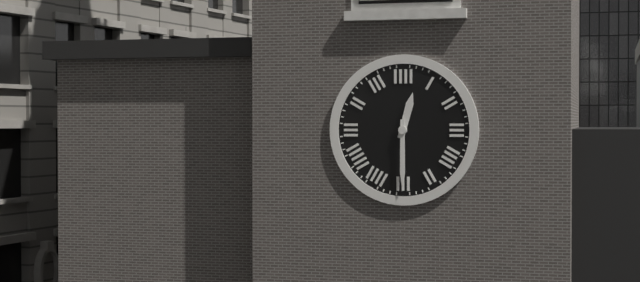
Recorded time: **12:30**
